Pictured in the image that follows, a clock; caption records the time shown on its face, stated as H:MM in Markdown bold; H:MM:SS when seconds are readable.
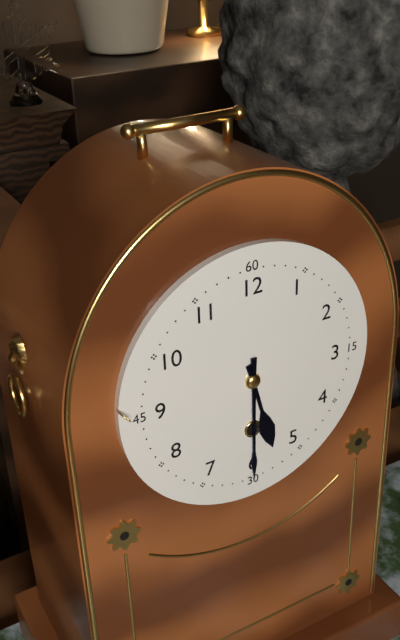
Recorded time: **5:30**
